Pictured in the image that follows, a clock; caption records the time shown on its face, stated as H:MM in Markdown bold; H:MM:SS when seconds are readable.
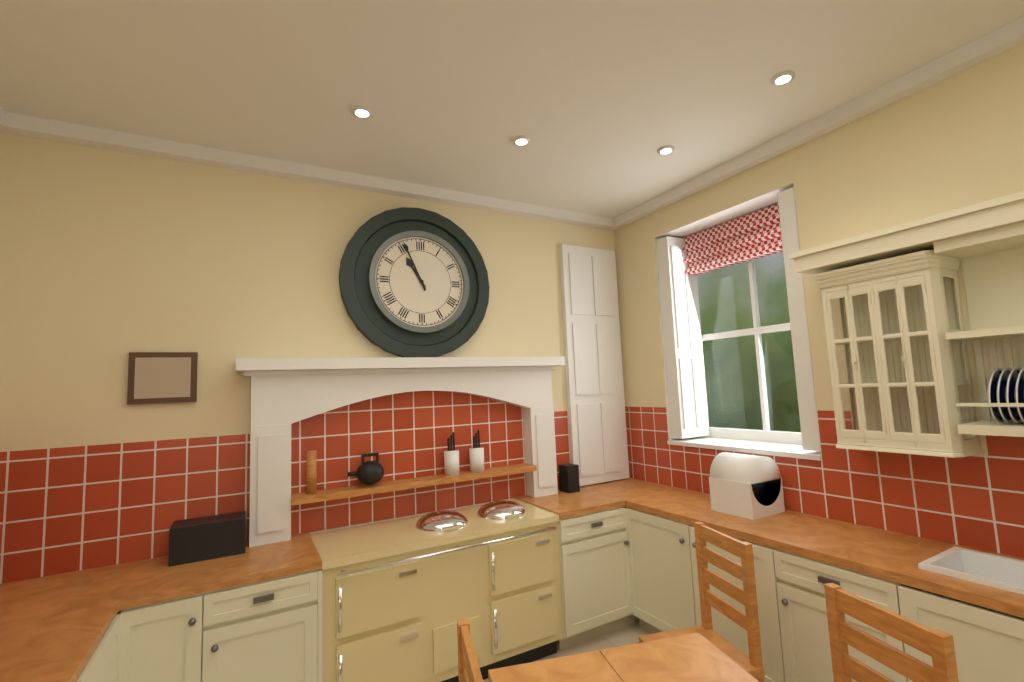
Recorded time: **10:56**
